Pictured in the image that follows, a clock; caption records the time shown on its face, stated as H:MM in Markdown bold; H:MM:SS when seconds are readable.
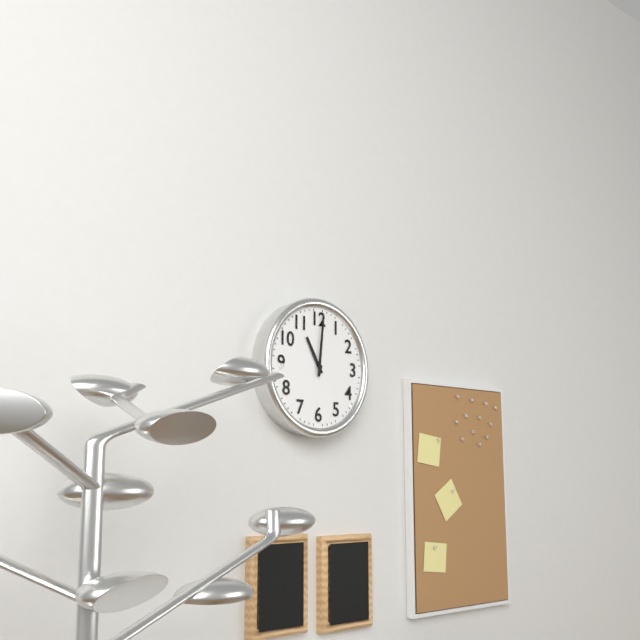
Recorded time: **11:01**
